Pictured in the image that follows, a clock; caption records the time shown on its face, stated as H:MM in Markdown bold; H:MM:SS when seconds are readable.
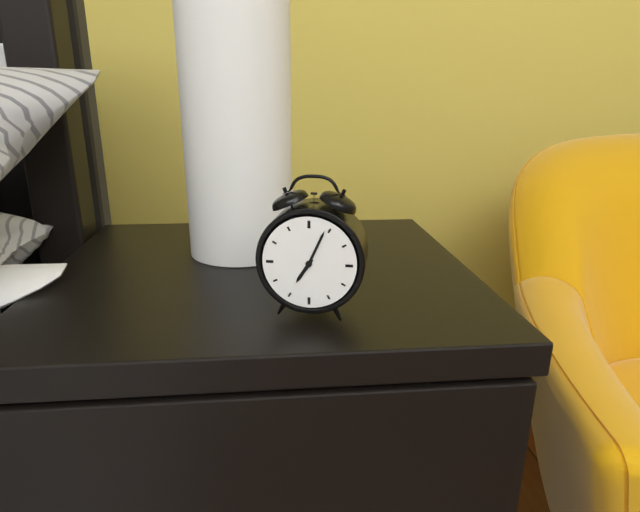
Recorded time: **7:04**
